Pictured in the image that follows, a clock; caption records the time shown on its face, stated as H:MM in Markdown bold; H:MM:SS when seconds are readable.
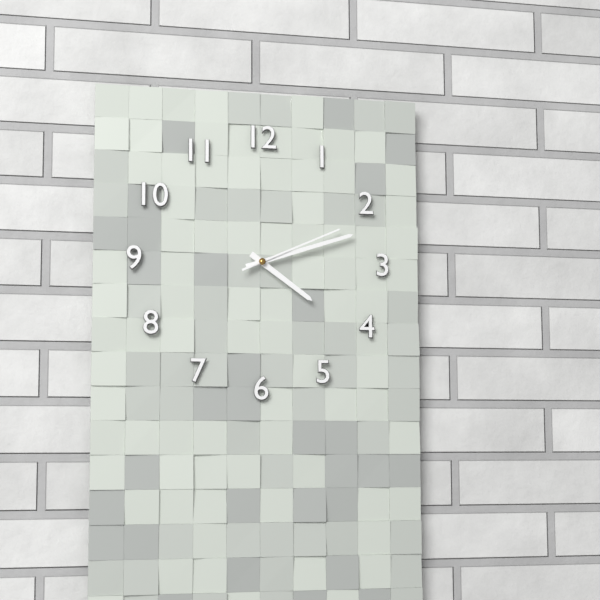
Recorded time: **4:12:11**
